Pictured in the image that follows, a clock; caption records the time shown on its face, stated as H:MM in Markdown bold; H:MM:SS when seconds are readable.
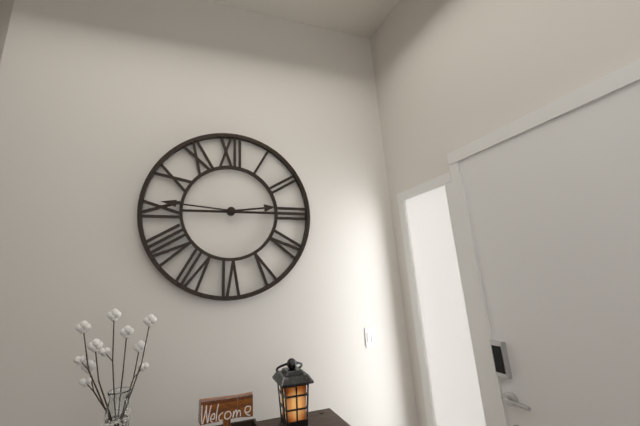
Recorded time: **2:46**
